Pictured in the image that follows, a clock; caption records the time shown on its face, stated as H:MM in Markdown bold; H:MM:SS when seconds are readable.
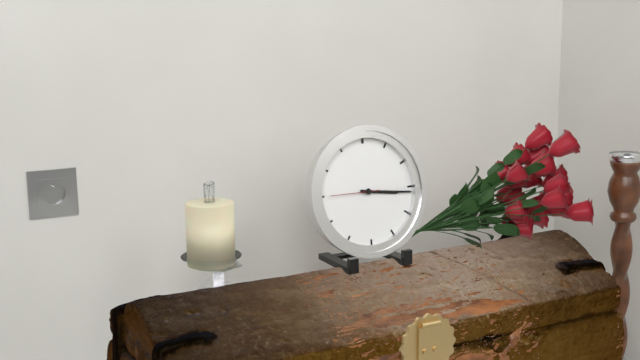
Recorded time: **3:16**
